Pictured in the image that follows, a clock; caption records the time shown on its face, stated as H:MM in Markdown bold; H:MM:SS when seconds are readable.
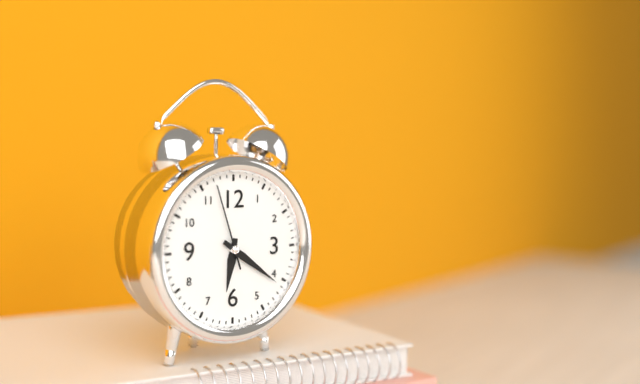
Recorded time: **6:21:57**
